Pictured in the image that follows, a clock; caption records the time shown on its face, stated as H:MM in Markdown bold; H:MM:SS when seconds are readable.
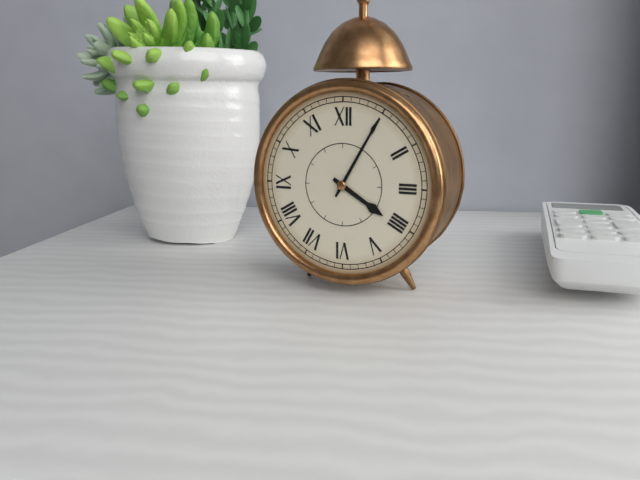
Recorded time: **4:05**
